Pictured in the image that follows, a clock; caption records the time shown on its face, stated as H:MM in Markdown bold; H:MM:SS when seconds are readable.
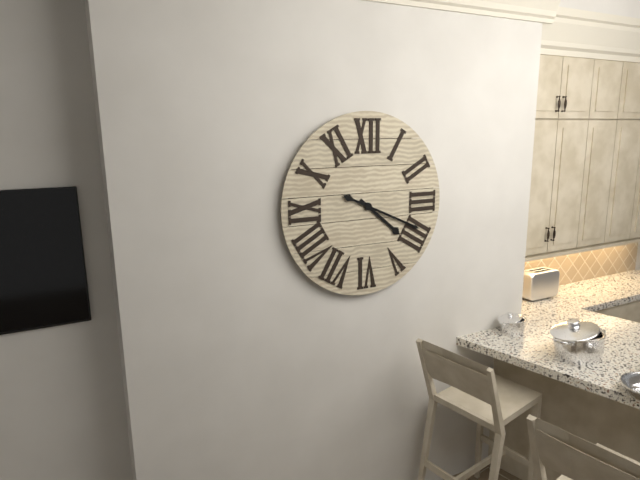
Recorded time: **4:19**
